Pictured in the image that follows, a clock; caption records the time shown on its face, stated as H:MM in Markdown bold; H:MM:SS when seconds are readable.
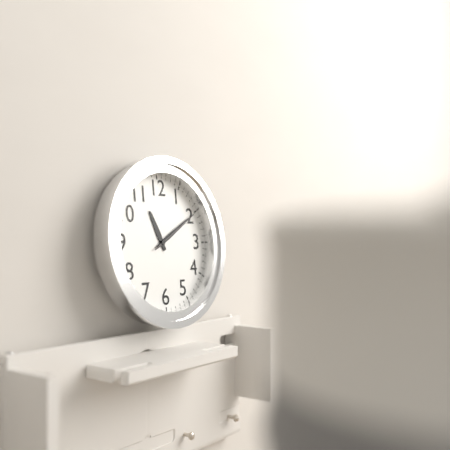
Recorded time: **11:10:10**
